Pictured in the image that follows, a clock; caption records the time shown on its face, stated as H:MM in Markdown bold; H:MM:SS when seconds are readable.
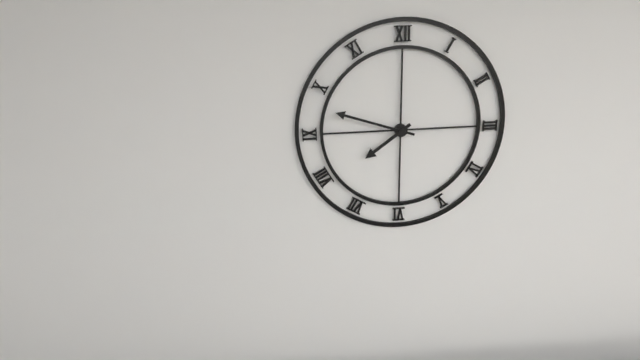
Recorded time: **7:48**
